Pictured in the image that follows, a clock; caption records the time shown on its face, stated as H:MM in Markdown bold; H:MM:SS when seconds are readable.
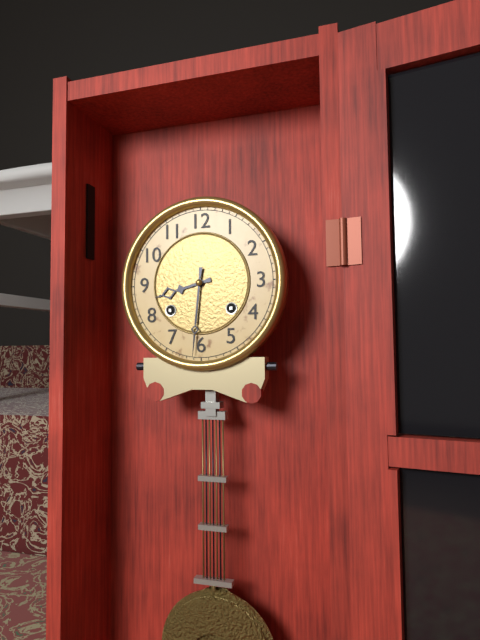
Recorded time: **8:31**
